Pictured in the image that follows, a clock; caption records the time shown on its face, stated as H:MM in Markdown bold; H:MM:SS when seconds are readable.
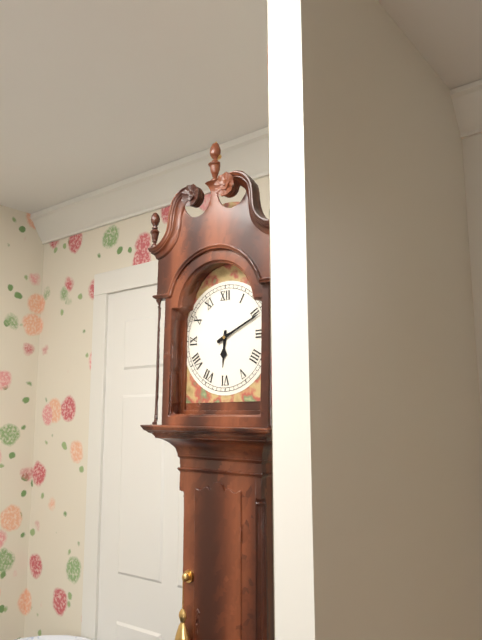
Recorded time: **6:11**
